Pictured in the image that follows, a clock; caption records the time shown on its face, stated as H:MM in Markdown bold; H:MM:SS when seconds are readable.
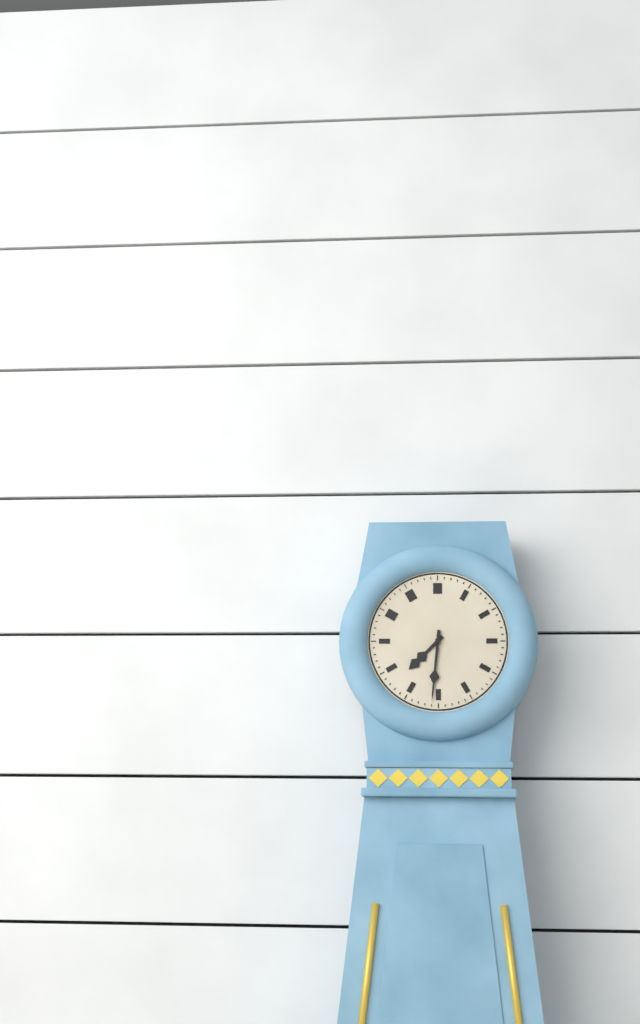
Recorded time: **7:31**
